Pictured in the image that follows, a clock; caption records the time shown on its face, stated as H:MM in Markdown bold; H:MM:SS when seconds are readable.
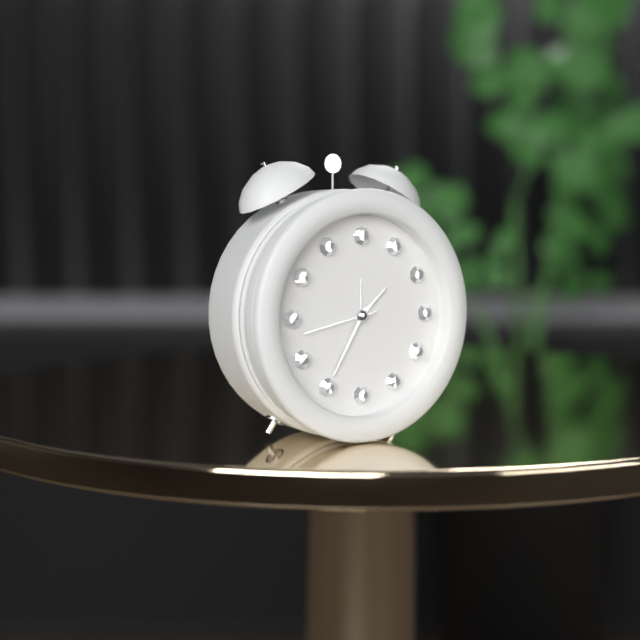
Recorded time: **1:35:43**
